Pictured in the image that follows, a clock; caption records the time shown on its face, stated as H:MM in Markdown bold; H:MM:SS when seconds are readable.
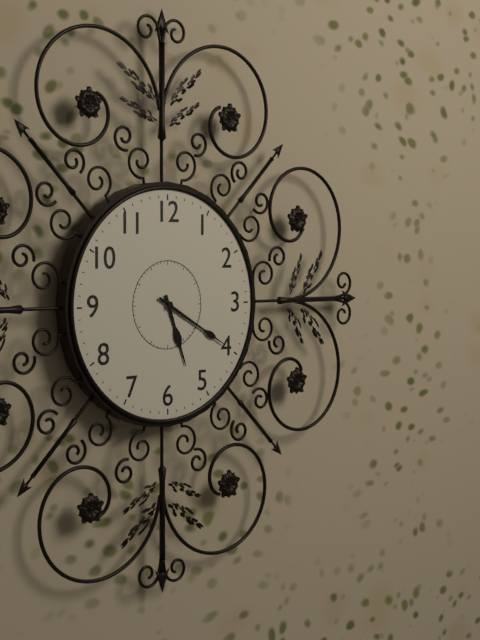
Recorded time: **5:20**
